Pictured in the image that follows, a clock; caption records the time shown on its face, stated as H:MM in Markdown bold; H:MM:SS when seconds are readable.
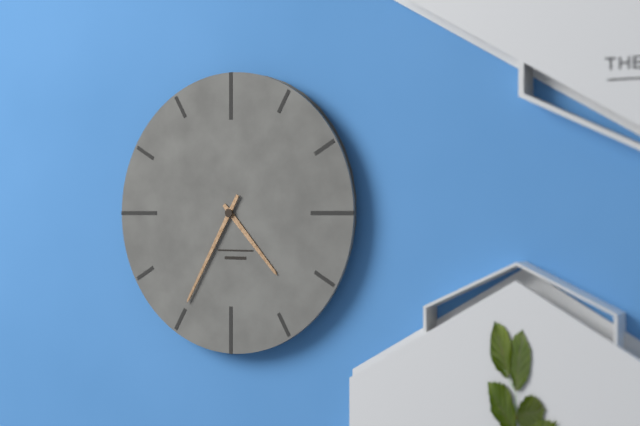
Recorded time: **4:35**
